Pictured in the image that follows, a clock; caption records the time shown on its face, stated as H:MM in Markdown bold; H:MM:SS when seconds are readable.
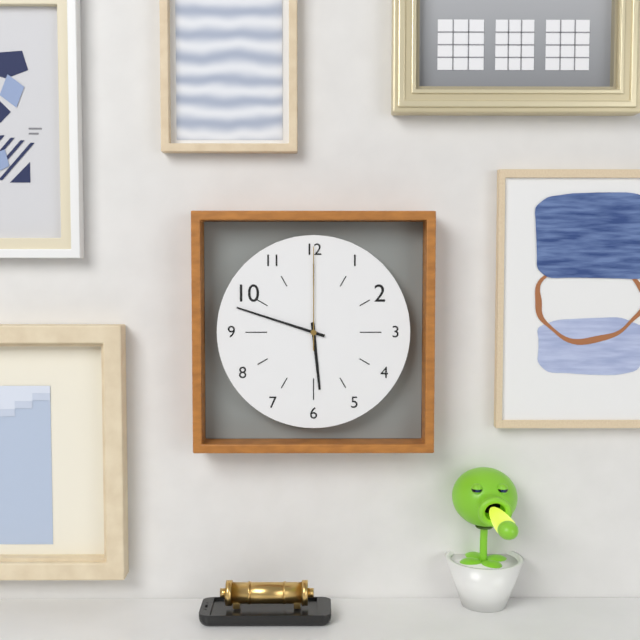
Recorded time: **5:48:00**
